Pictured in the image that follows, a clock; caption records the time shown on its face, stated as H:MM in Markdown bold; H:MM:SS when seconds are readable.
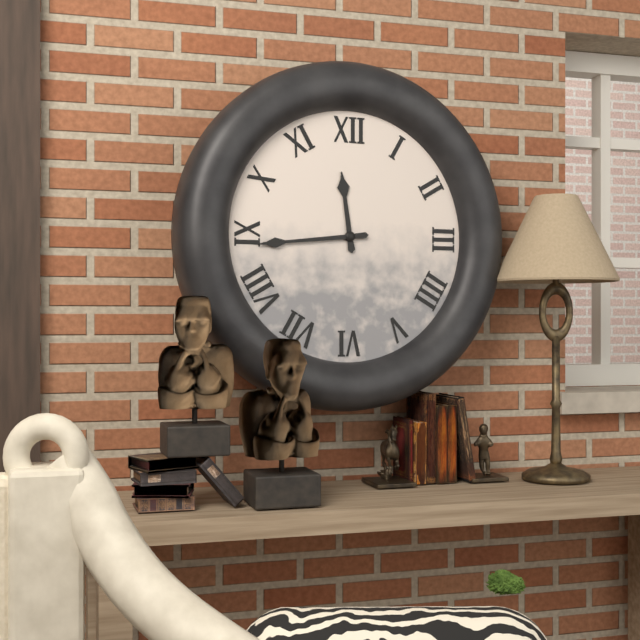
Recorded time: **11:44**
